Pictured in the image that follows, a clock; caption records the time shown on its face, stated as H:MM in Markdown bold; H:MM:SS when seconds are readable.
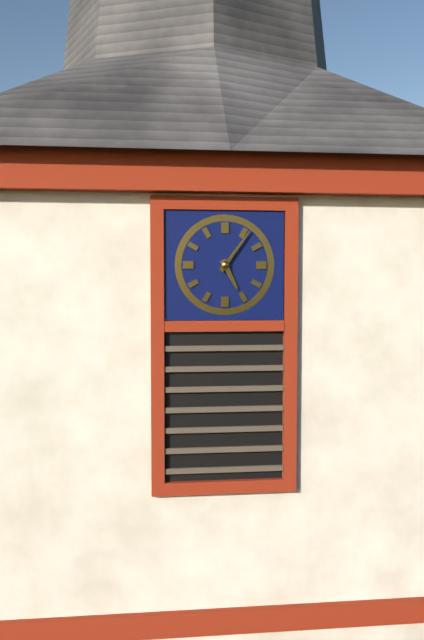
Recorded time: **5:06**
